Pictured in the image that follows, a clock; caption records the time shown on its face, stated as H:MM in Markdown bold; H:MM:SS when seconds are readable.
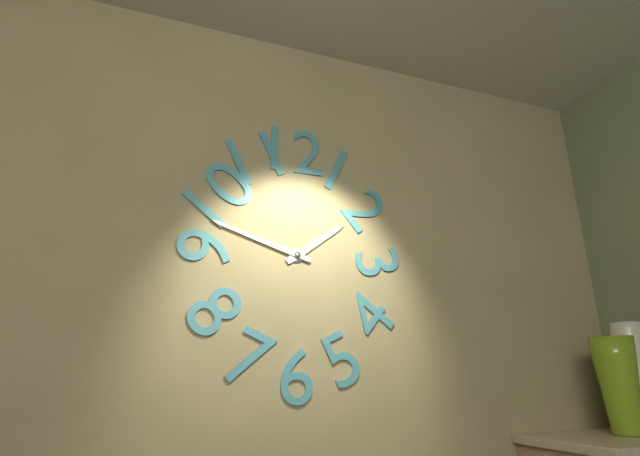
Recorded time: **1:48**
